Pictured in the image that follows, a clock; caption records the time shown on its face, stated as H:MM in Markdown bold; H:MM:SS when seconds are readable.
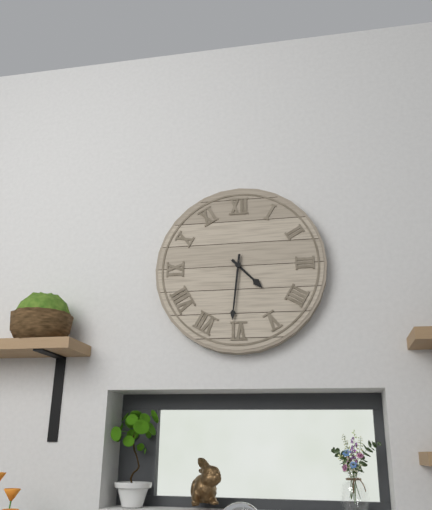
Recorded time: **4:31**
